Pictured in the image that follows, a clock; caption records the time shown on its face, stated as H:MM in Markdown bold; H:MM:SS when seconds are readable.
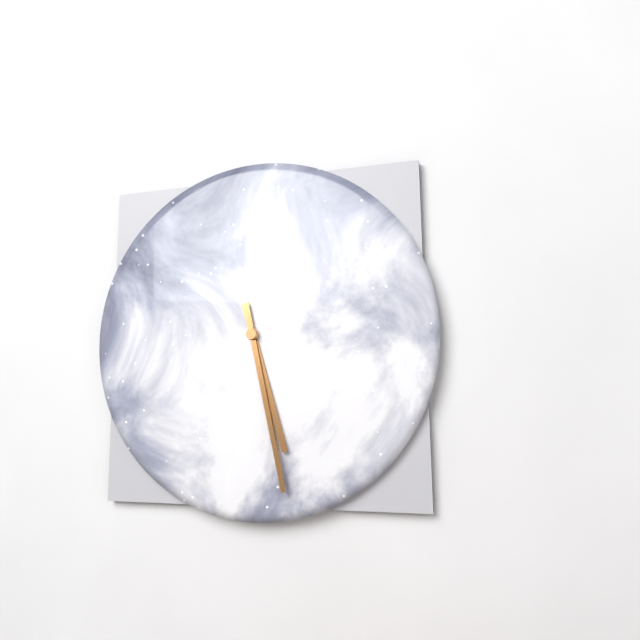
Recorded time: **5:28**
